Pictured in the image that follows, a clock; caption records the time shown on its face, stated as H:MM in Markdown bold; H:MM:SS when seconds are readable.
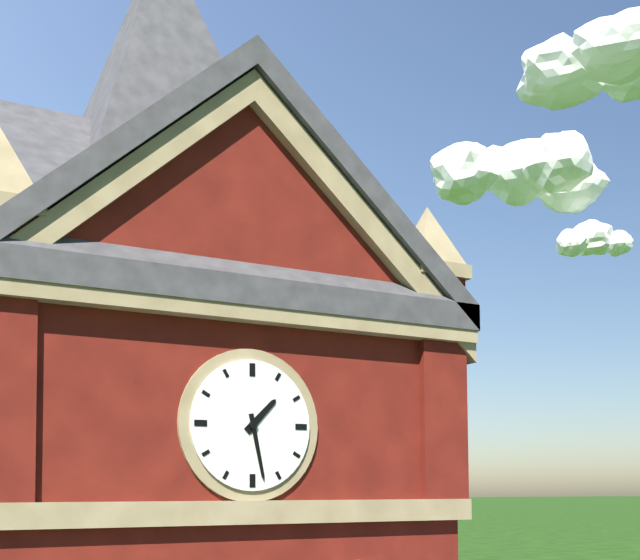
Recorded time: **1:28**
